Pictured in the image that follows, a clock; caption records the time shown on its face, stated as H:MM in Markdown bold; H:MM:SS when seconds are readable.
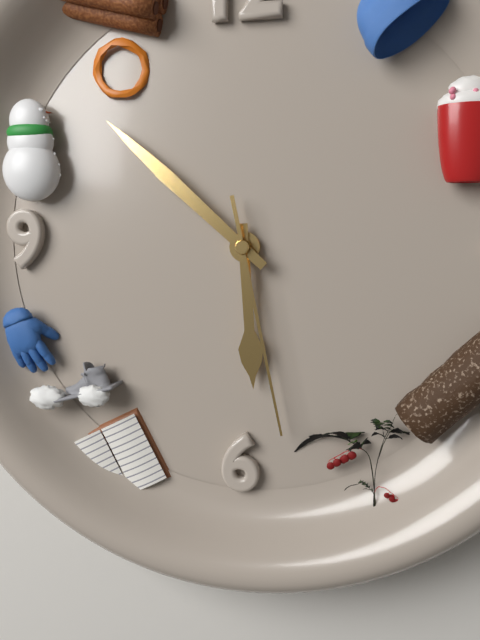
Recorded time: **5:52:28**
